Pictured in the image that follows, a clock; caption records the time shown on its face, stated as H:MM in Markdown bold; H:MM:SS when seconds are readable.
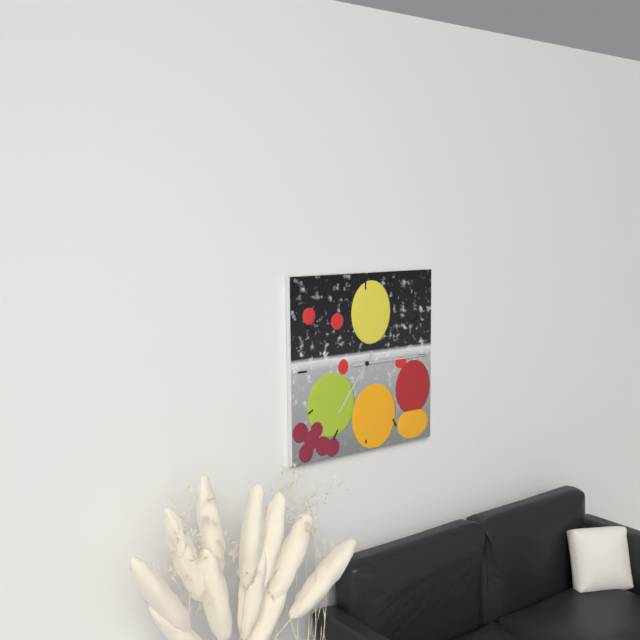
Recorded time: **7:15**
